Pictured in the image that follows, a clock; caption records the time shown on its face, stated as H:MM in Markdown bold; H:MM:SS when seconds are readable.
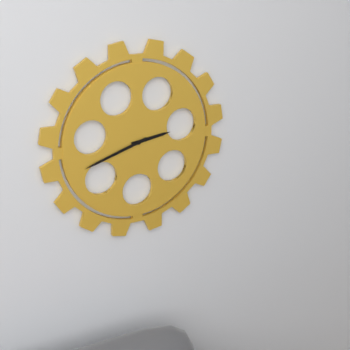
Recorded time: **2:42**
